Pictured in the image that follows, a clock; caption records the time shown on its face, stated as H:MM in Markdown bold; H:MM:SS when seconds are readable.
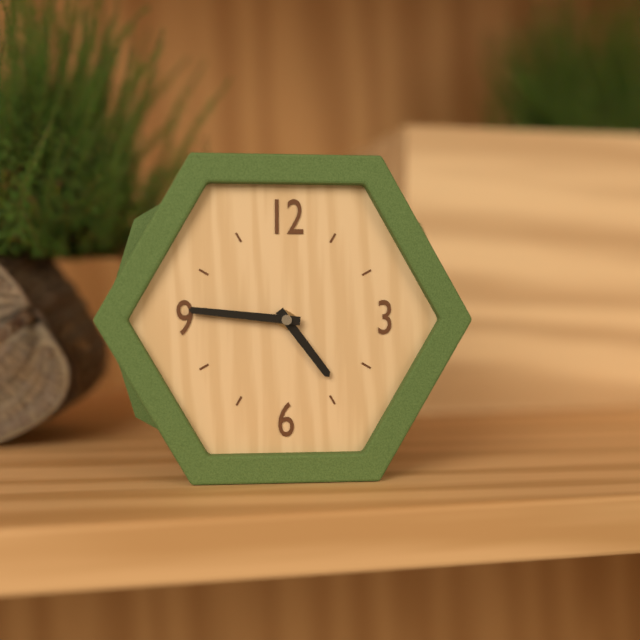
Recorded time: **4:46**
